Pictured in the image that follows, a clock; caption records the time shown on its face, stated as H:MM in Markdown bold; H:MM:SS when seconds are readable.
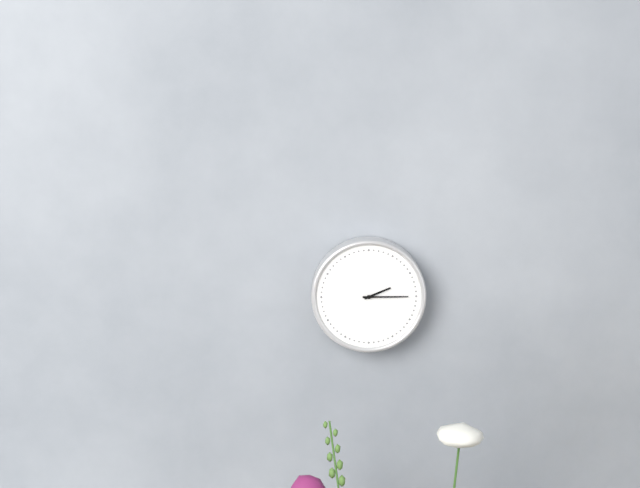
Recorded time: **2:15**
